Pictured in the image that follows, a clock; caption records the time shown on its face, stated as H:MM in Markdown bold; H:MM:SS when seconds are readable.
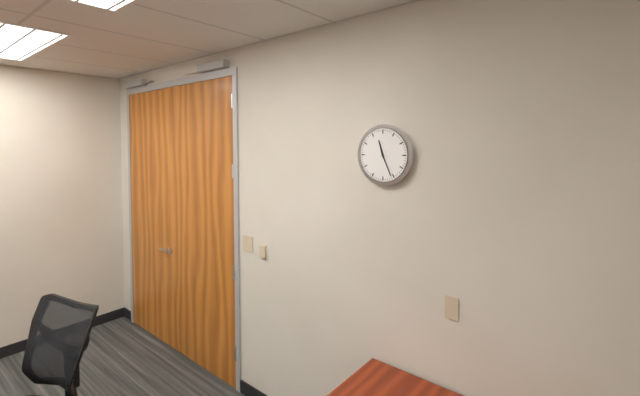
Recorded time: **11:26**
